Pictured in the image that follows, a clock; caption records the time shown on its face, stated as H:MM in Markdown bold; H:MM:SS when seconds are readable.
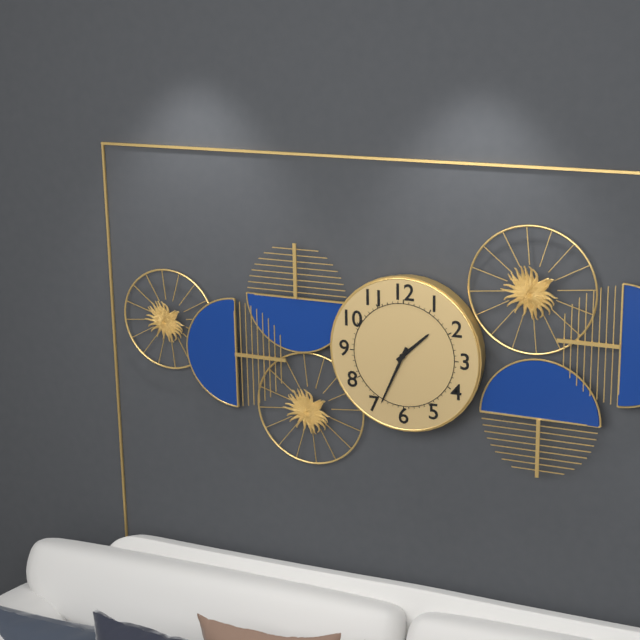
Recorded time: **1:34**
